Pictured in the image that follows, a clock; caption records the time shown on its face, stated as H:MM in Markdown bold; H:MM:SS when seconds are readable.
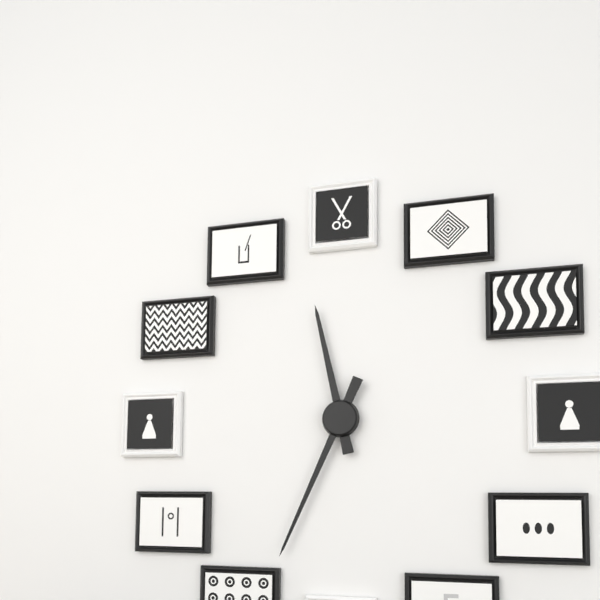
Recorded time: **11:34**
